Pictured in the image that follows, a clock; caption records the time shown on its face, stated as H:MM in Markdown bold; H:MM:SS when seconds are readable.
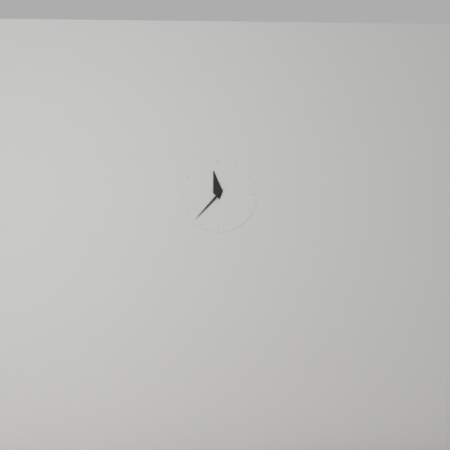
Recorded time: **11:37**
